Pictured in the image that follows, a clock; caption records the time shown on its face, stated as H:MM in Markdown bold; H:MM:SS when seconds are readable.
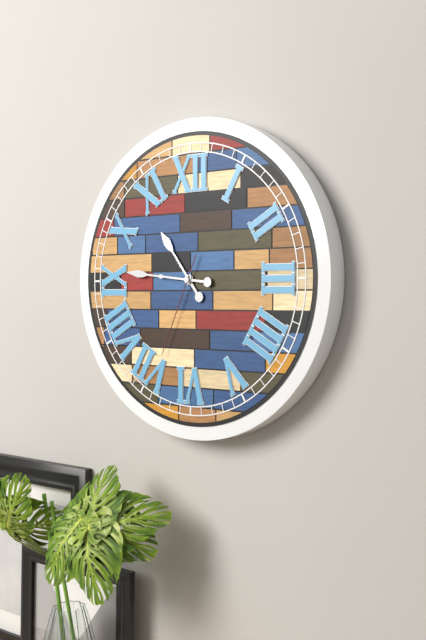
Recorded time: **10:46:34**
